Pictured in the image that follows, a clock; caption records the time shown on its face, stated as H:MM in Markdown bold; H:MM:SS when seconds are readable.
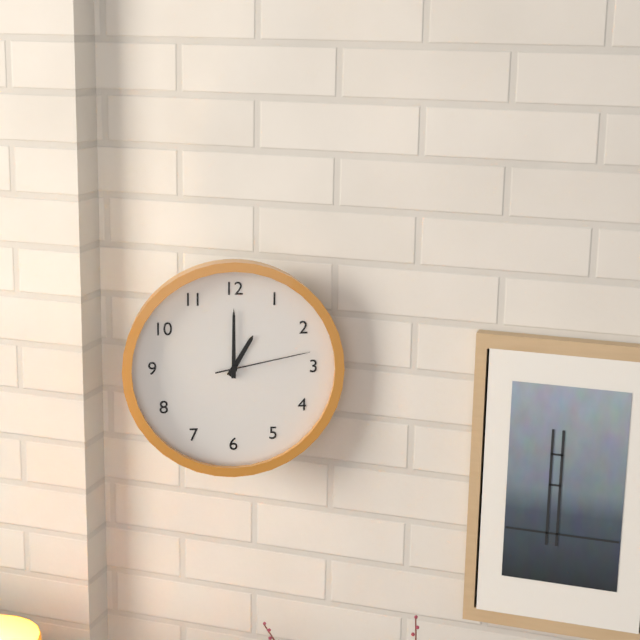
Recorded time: **1:00:13**
